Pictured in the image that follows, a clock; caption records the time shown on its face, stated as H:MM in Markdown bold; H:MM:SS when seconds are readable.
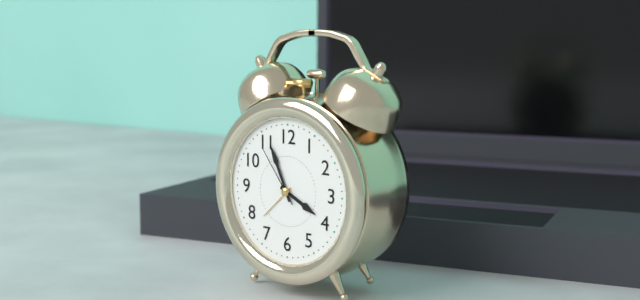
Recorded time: **3:56:54**
